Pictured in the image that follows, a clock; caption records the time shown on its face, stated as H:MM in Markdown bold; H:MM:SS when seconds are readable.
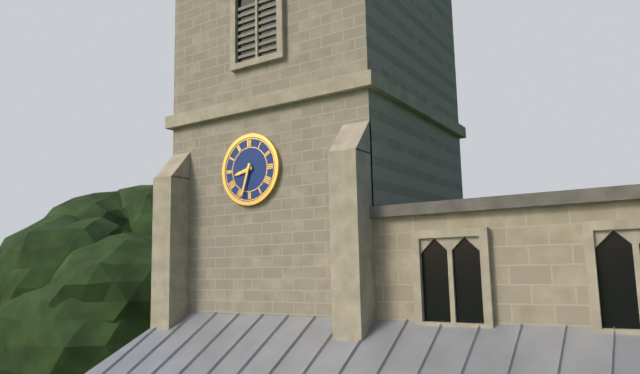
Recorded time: **8:33**
